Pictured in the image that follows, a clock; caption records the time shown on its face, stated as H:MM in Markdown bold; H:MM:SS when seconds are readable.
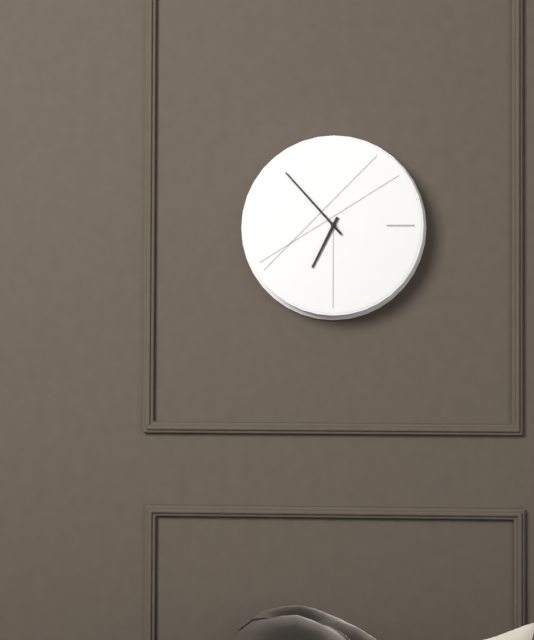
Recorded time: **6:53**
